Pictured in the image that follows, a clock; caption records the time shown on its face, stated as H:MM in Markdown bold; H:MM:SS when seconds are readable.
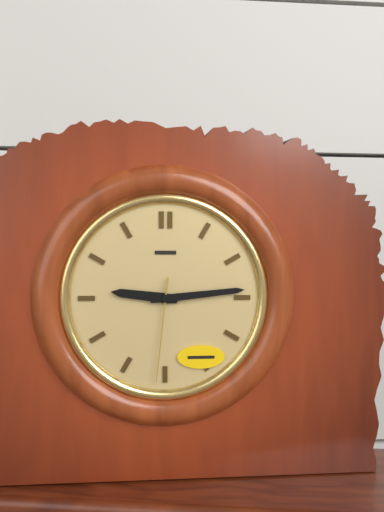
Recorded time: **9:14:31**
